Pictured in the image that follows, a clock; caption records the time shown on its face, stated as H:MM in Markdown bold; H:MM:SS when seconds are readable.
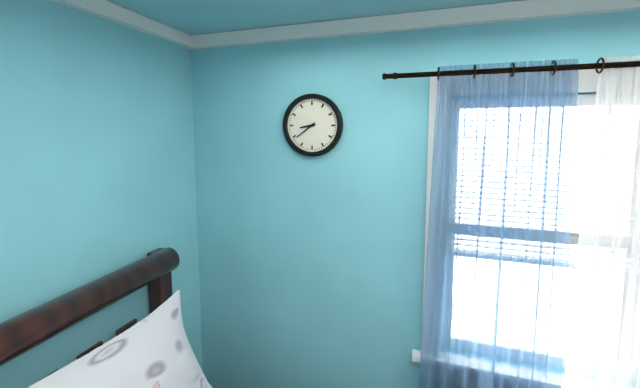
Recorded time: **8:39**
